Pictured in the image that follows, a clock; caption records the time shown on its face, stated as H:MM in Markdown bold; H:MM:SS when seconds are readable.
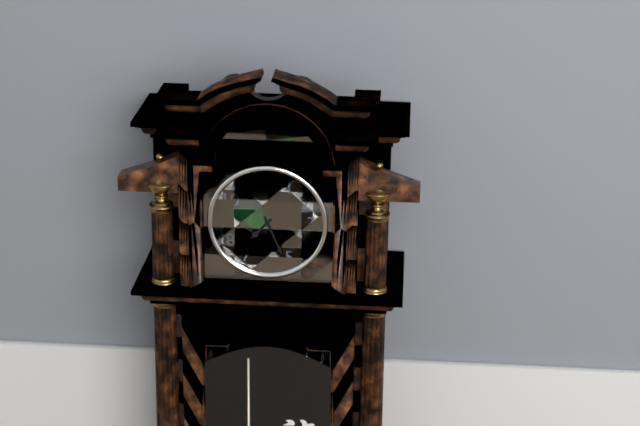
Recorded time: **7:26**
